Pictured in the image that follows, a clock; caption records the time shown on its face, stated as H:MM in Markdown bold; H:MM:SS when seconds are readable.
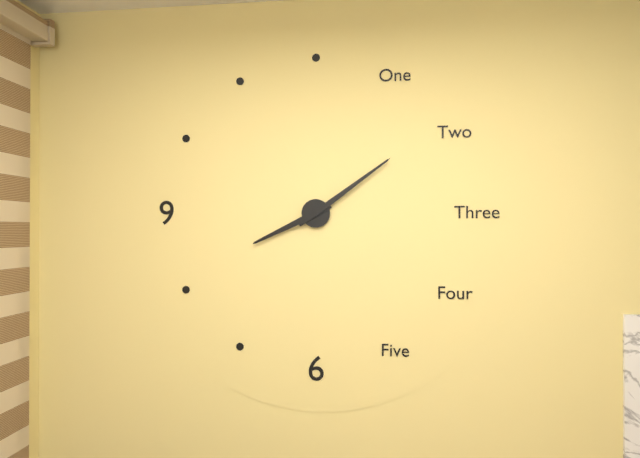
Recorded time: **8:09**
